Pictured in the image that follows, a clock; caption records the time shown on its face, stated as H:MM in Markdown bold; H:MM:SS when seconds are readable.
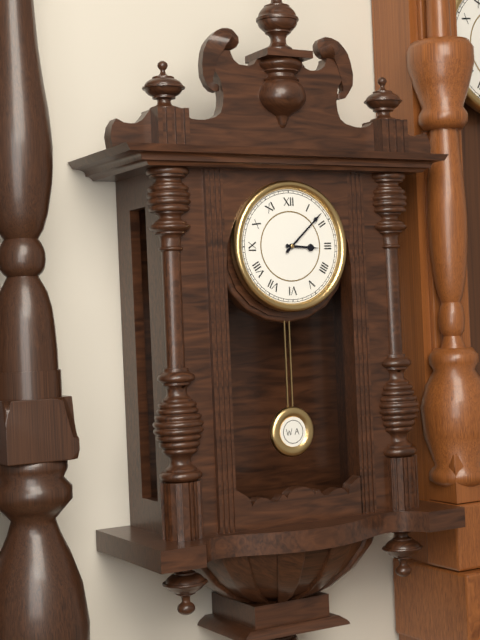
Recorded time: **3:08**
